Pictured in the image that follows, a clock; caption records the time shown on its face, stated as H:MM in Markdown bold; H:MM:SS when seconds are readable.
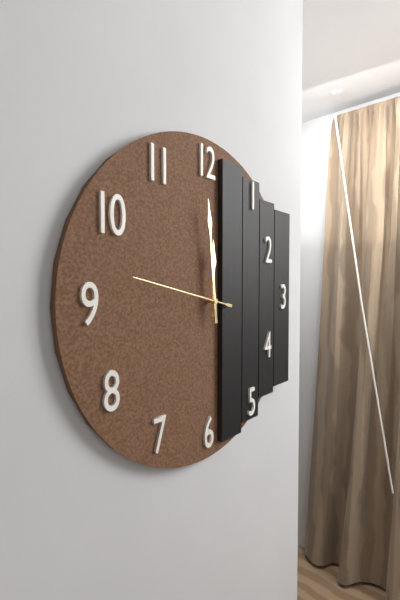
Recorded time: **11:59:47**
